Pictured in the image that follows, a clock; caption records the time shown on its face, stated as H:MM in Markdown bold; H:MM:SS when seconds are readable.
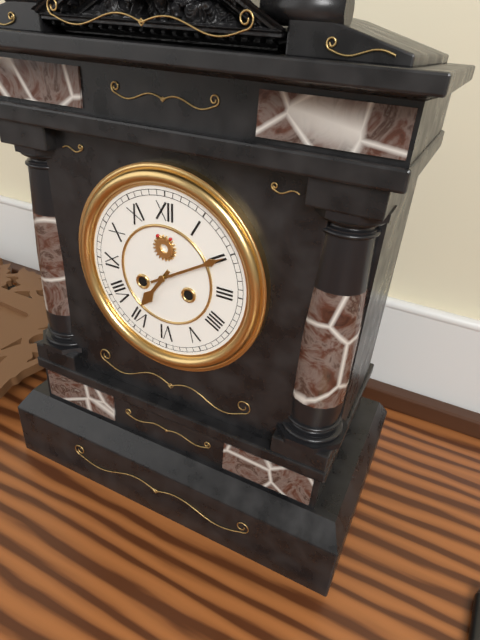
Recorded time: **7:10**
